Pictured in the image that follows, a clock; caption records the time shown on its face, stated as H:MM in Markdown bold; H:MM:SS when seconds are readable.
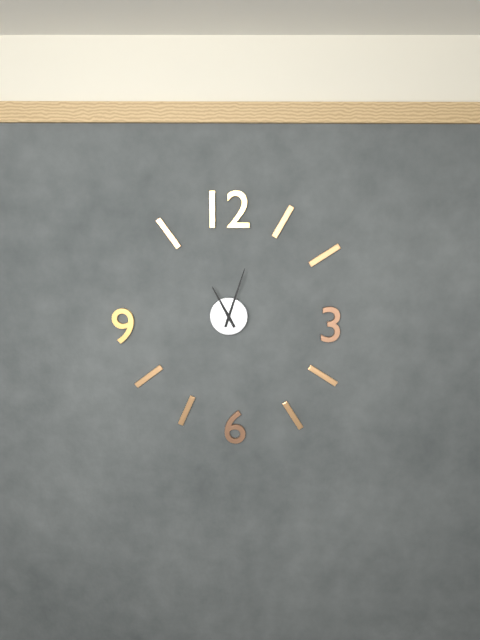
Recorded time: **11:03**
